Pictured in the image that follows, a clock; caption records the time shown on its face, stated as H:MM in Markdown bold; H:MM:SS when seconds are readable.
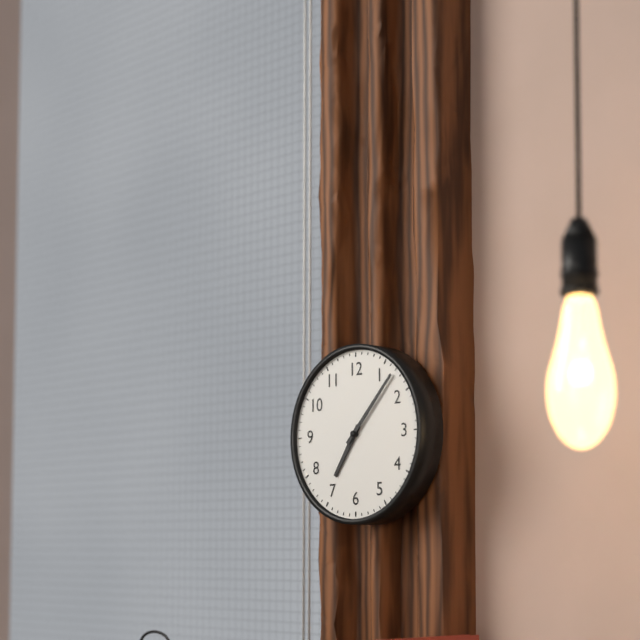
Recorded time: **7:07**
